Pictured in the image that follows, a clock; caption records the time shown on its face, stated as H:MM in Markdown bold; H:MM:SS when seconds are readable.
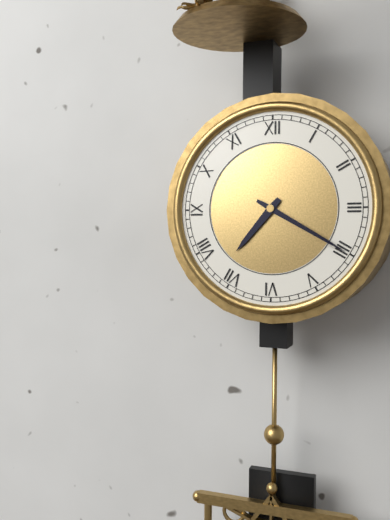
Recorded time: **7:20**
